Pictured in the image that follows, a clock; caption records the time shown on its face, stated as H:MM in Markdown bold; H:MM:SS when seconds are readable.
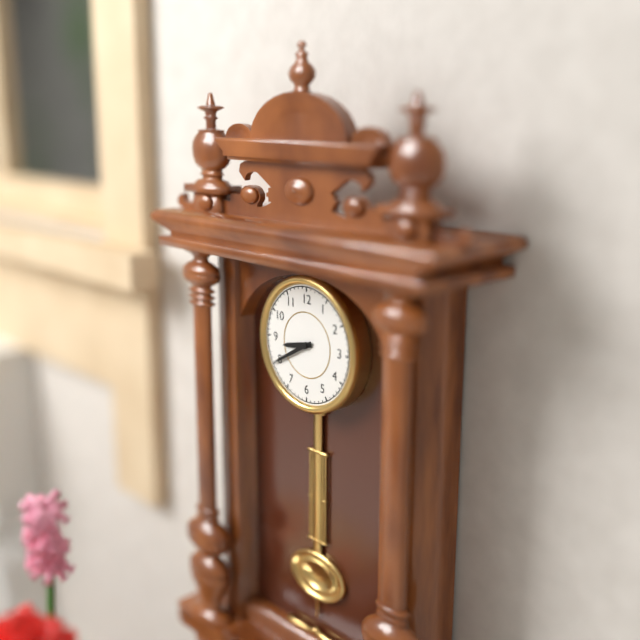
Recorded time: **8:40**
